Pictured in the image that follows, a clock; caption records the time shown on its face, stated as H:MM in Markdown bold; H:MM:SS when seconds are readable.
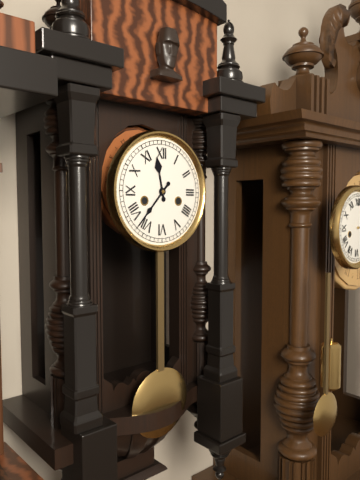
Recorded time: **11:37**
